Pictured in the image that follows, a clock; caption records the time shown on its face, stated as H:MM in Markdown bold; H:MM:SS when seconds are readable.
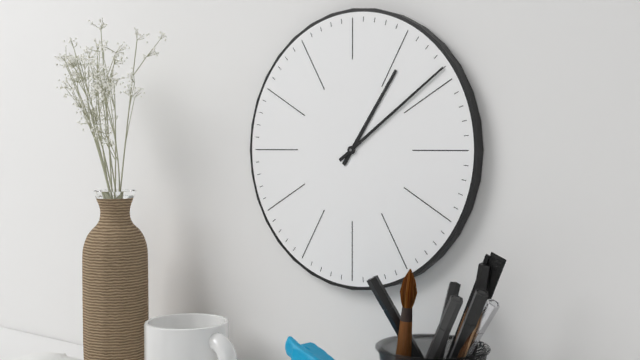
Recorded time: **1:09**
